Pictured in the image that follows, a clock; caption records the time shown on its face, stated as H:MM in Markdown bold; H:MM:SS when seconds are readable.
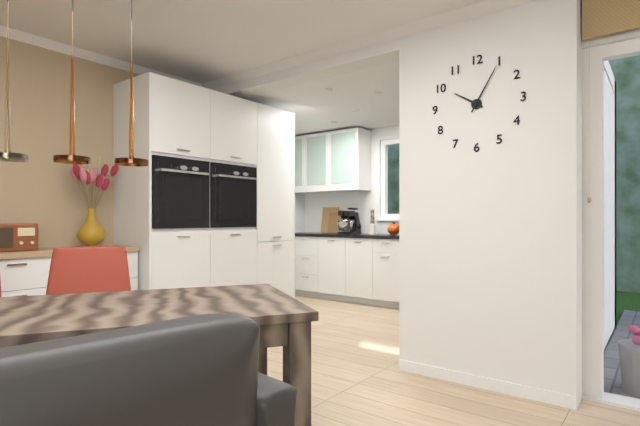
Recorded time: **10:05**
